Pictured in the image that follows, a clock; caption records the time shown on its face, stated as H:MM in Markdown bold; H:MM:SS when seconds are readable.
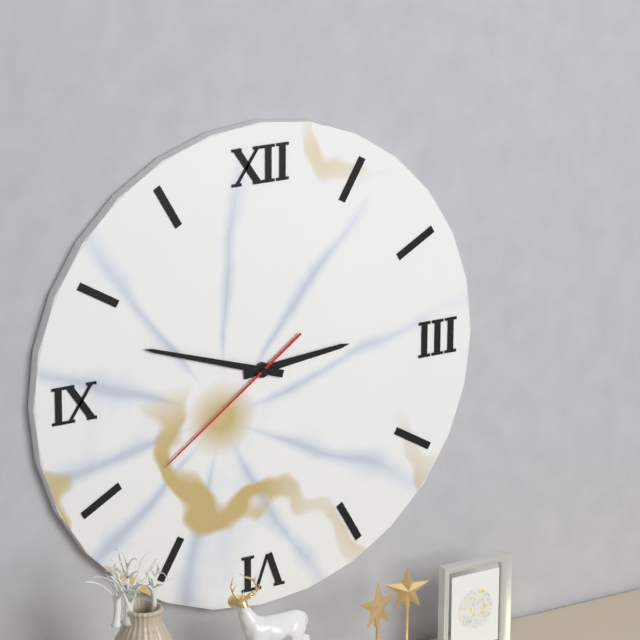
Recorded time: **2:48:39**
